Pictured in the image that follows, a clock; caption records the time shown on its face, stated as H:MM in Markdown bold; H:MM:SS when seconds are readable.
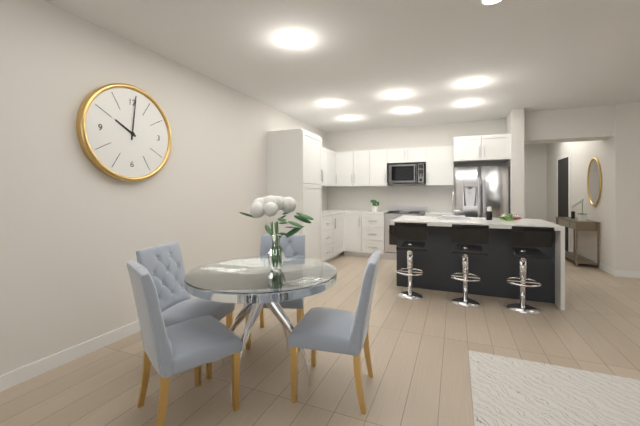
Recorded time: **10:01**
